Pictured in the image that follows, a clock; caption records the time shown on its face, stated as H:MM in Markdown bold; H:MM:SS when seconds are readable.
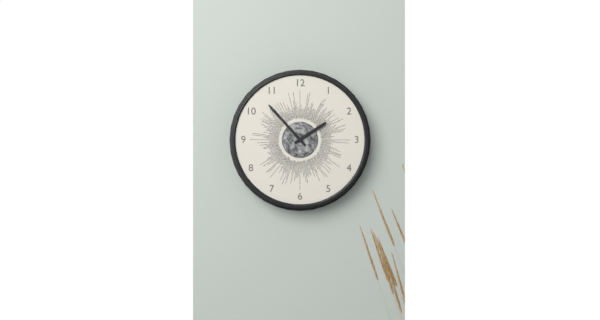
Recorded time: **1:53**
